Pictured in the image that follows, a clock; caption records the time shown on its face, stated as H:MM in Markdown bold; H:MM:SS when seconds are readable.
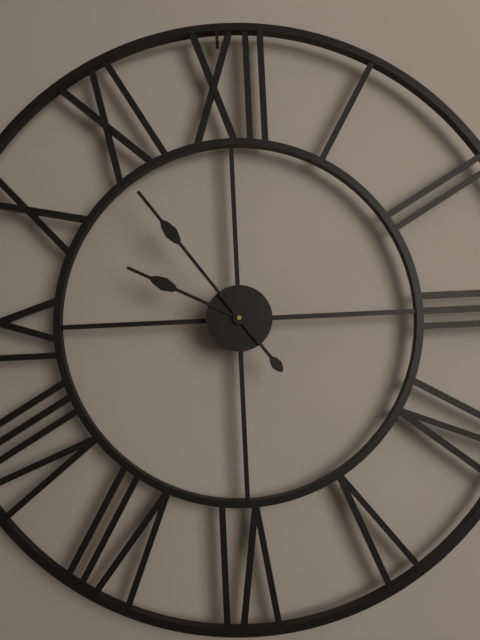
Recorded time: **9:54**
